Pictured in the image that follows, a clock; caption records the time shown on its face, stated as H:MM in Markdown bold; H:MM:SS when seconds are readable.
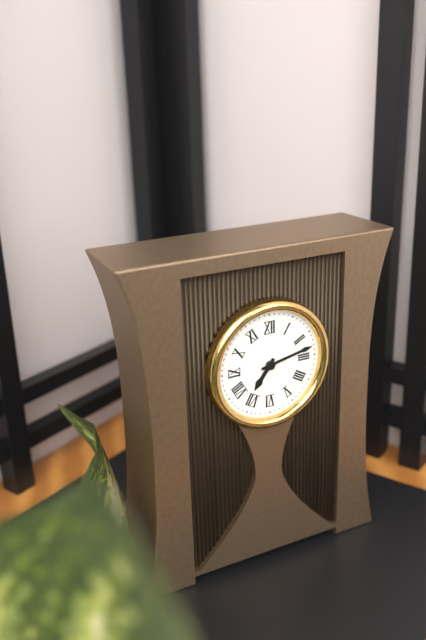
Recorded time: **7:13**
